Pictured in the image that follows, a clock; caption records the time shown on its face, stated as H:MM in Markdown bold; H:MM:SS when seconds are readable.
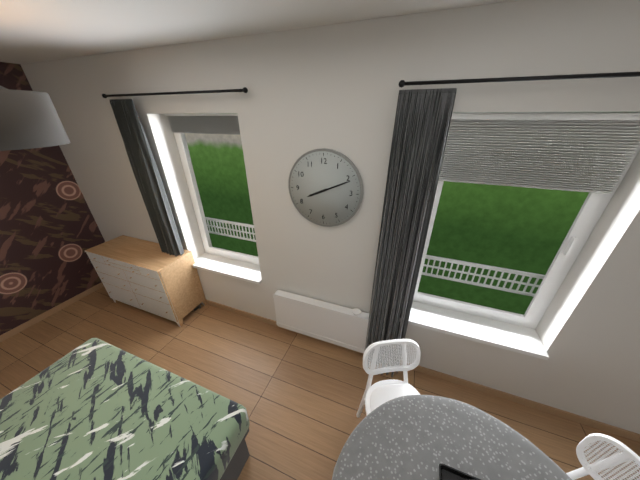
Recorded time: **8:11**
